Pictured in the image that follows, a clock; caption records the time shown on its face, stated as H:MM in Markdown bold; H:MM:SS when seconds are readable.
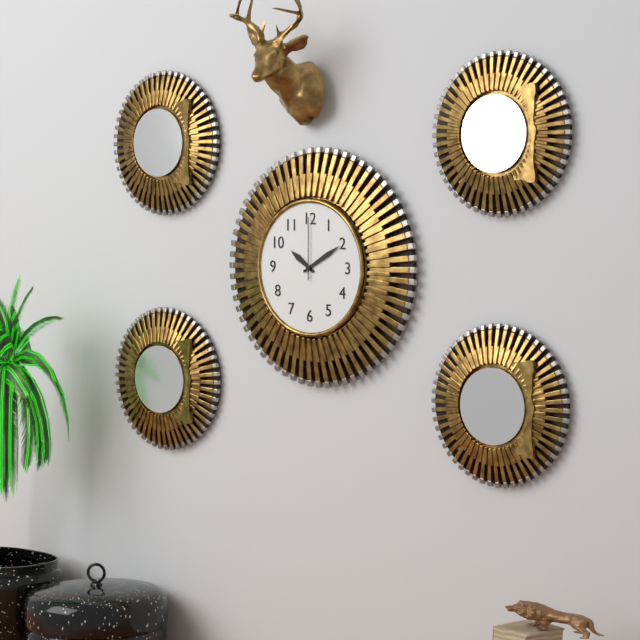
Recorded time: **10:10:00**
